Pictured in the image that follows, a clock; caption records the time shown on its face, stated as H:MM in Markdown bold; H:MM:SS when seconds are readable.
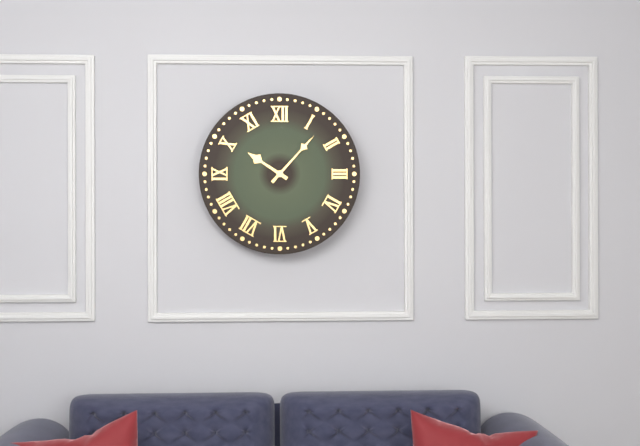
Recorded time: **10:07**
